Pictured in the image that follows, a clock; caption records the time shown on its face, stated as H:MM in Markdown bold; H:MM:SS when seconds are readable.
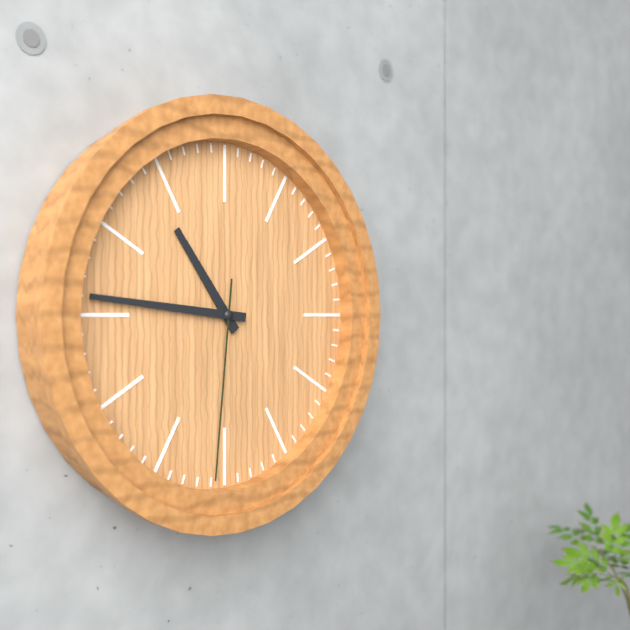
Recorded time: **10:46:31**
